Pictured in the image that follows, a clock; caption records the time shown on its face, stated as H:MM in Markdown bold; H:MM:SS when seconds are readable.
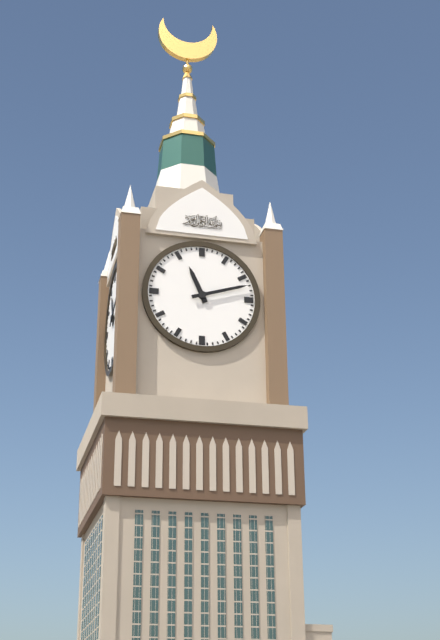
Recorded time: **11:12**
